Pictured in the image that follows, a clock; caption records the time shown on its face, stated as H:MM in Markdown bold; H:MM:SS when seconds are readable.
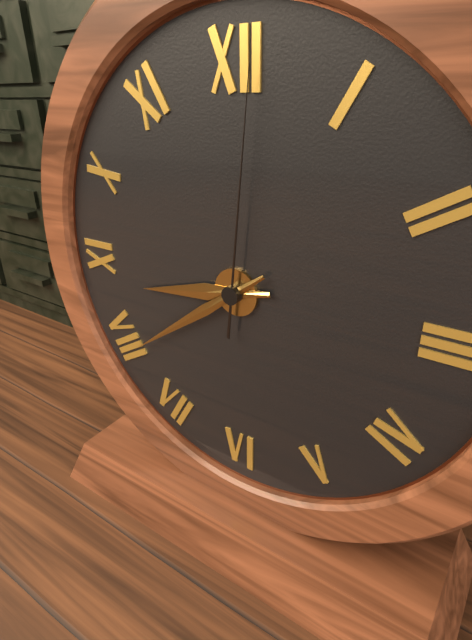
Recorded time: **8:39:01**
